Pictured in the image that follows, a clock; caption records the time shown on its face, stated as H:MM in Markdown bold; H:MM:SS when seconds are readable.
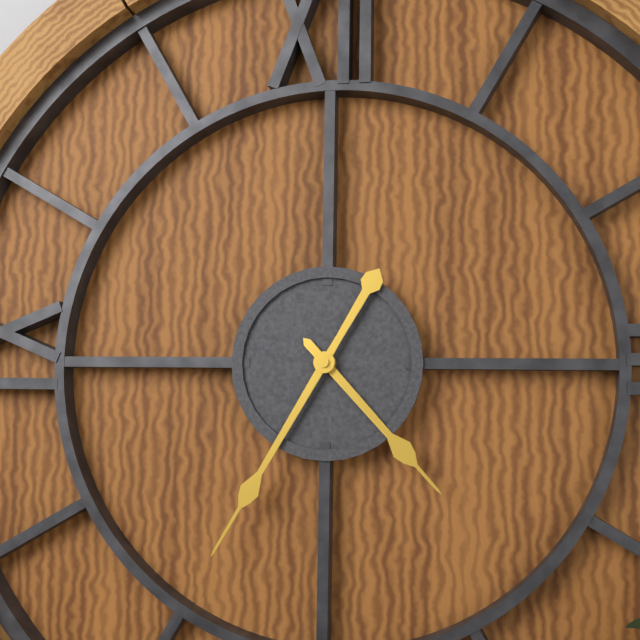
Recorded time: **4:35**
